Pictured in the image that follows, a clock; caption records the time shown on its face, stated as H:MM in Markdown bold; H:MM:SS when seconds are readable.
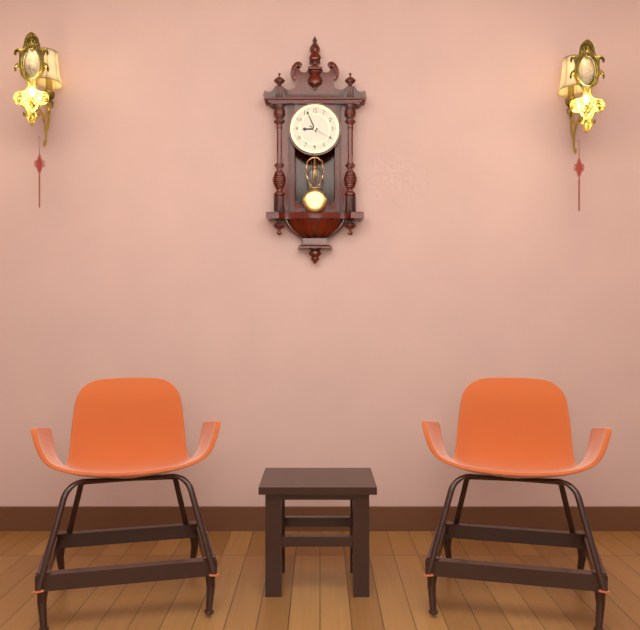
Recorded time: **8:56**
